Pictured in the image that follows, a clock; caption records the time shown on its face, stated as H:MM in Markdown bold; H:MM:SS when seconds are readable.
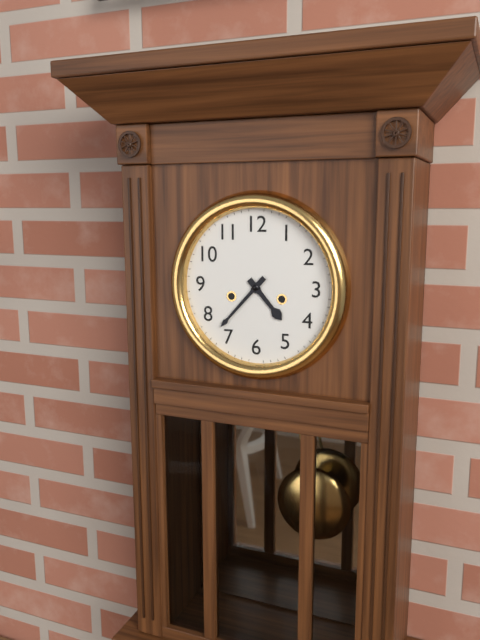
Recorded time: **4:37**
